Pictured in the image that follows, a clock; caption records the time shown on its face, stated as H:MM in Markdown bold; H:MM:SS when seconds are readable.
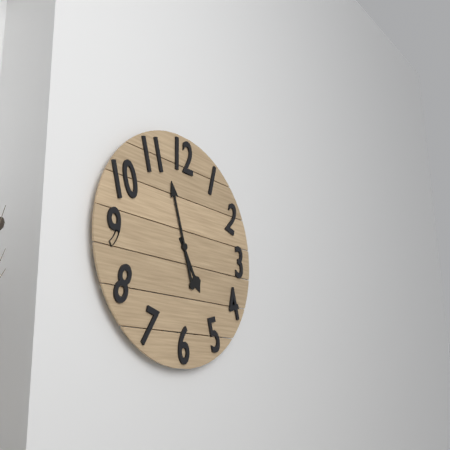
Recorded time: **4:57**
